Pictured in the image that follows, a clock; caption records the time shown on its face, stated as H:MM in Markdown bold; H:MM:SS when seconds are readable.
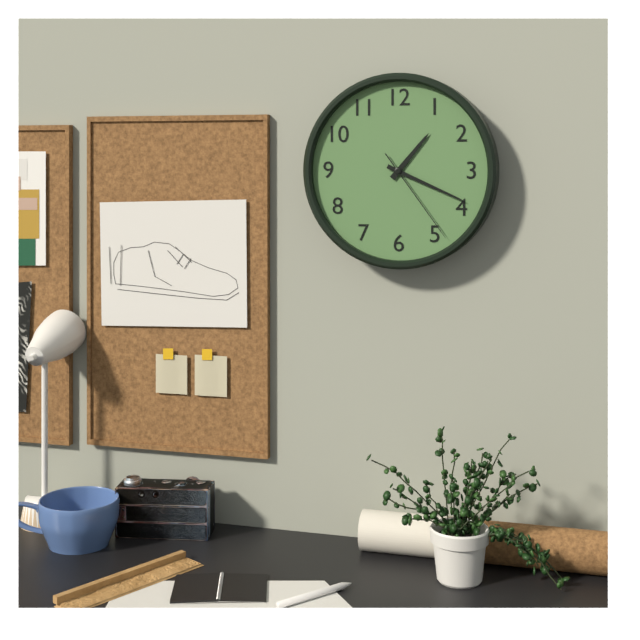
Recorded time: **1:19:24**
